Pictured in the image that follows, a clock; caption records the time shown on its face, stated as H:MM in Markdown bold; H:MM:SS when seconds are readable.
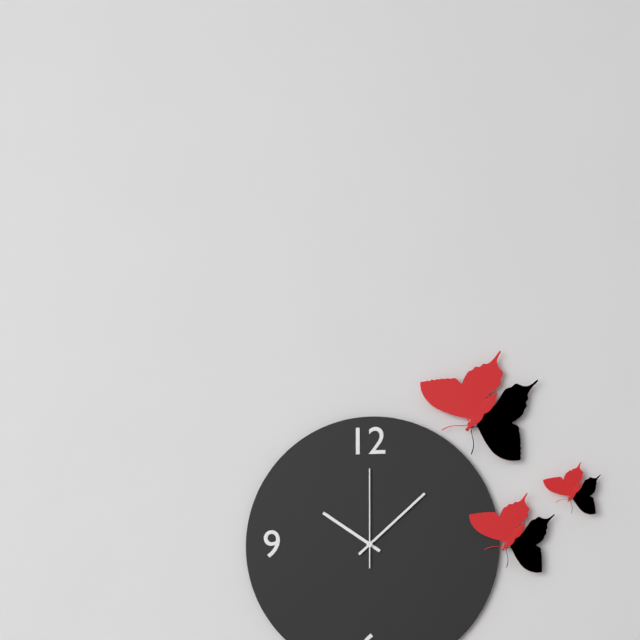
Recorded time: **10:08:00**
